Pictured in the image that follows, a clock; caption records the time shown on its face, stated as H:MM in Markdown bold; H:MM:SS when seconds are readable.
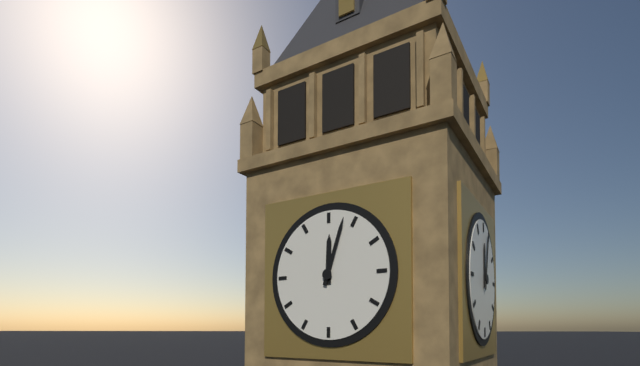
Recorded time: **12:03**
